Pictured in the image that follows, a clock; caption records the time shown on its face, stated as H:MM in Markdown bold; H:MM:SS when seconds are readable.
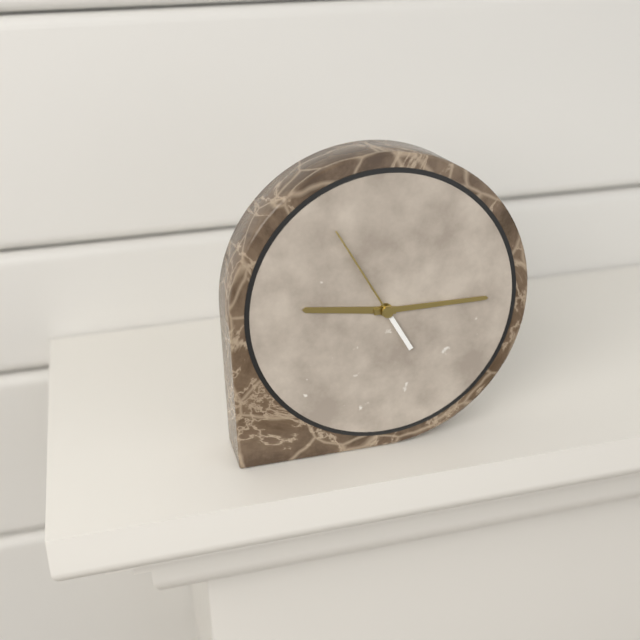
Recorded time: **9:15:55**
